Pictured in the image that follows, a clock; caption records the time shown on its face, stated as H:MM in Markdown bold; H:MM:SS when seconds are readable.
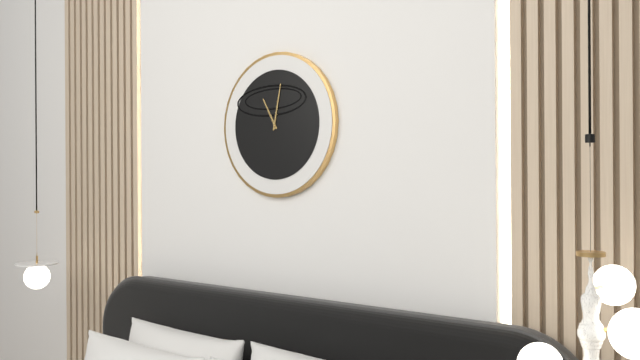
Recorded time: **11:02**
